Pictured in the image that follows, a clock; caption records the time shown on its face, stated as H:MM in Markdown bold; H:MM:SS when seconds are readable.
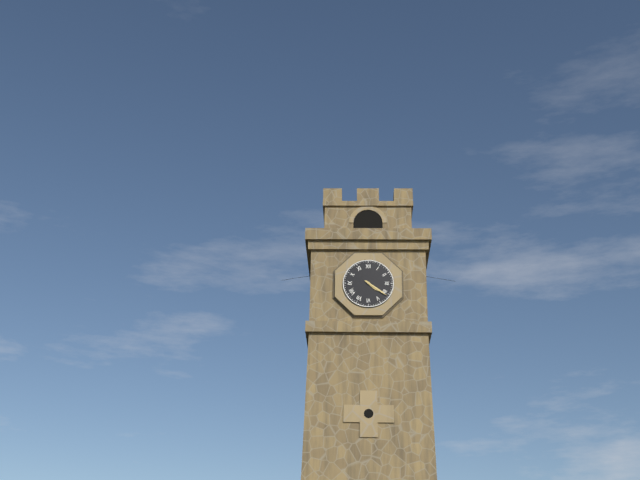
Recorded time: **4:21**
